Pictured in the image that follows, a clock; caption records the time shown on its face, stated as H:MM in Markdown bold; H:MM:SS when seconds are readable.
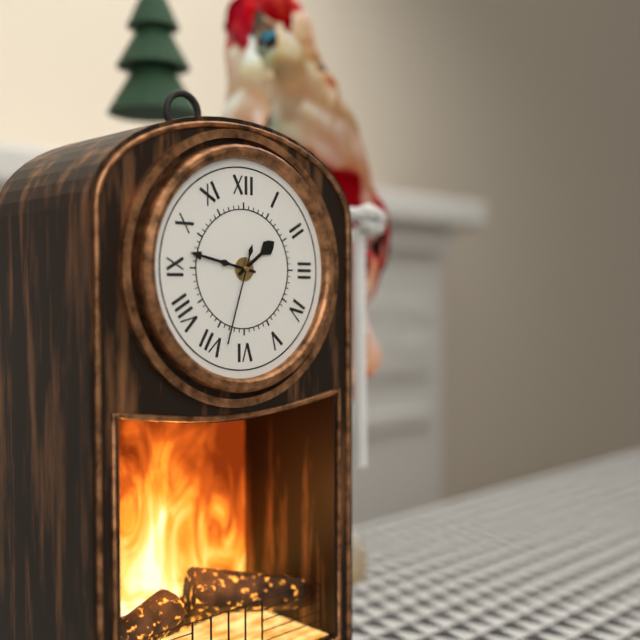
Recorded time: **1:47:33**
